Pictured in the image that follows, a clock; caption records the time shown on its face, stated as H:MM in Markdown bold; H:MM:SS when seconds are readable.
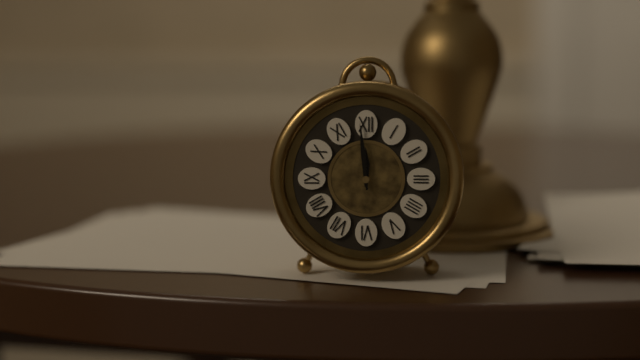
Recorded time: **11:59**
